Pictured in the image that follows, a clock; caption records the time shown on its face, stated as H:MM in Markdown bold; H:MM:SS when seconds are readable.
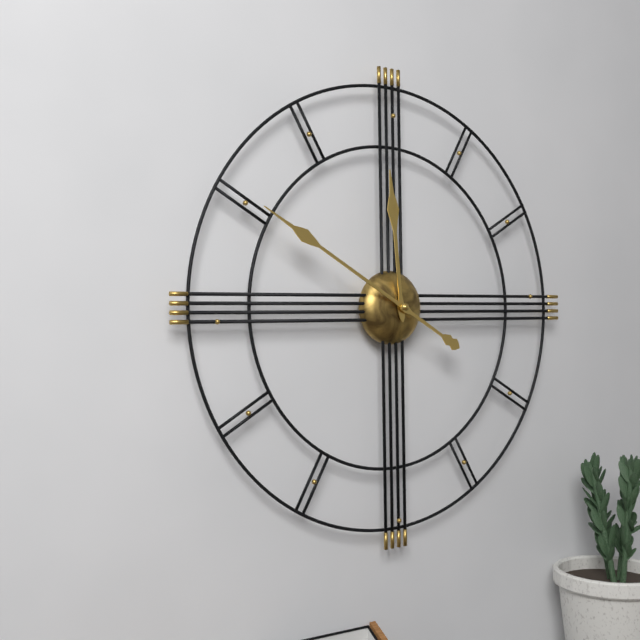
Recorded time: **11:50**
